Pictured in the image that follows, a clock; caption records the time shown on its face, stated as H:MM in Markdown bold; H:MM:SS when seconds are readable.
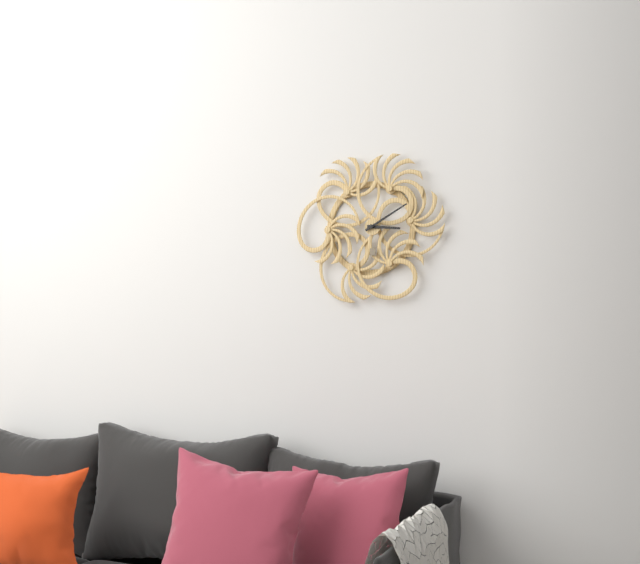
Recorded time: **3:10**
